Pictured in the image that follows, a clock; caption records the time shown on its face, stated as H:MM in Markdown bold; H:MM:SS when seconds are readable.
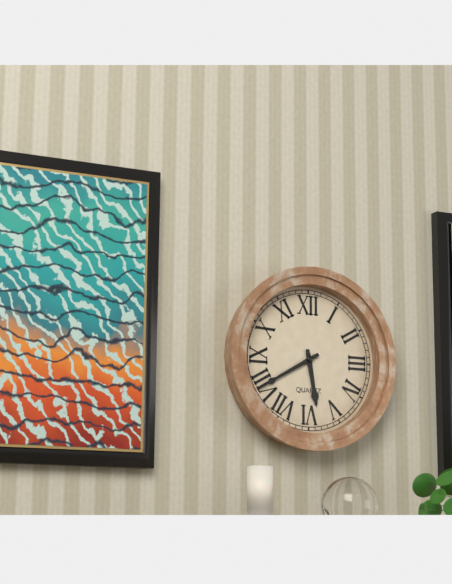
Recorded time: **5:40**
